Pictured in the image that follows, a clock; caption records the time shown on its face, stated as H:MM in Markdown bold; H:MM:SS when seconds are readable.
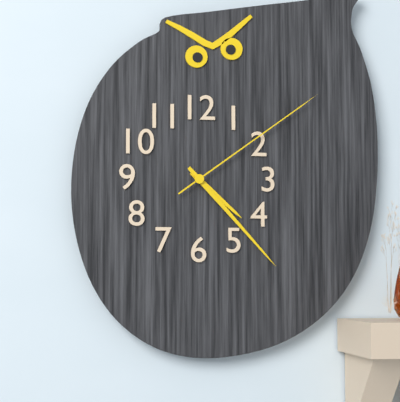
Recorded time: **4:23:09**
